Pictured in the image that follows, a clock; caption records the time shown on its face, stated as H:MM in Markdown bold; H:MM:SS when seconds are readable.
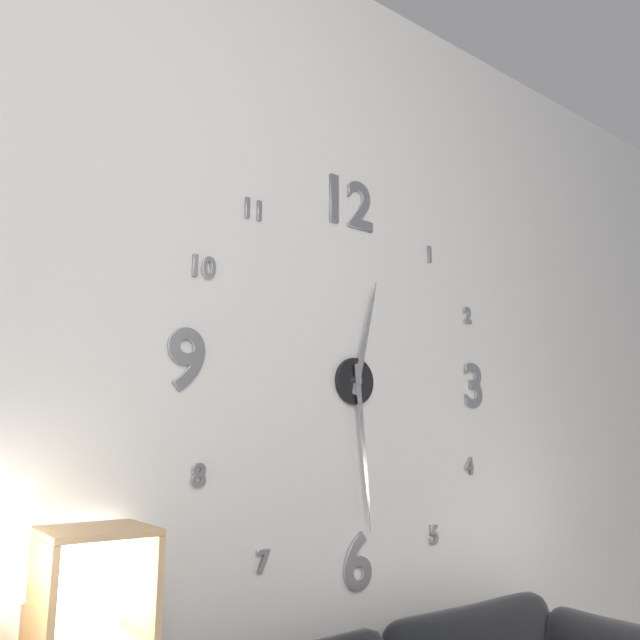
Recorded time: **12:29**
